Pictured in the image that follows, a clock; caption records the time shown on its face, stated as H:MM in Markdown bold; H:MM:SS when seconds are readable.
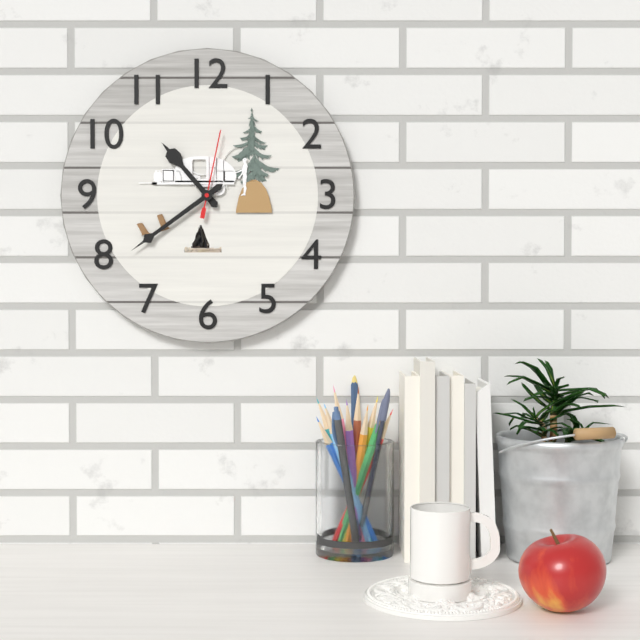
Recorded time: **10:39:02**
